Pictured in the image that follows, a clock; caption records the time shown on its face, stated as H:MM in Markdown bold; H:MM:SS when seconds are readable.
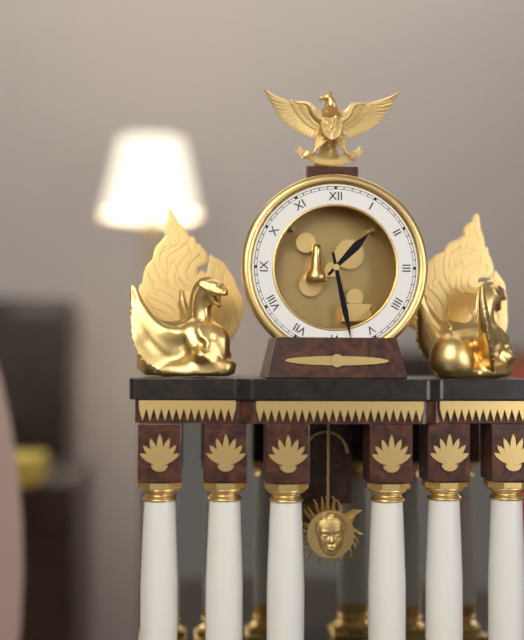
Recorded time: **1:28**
